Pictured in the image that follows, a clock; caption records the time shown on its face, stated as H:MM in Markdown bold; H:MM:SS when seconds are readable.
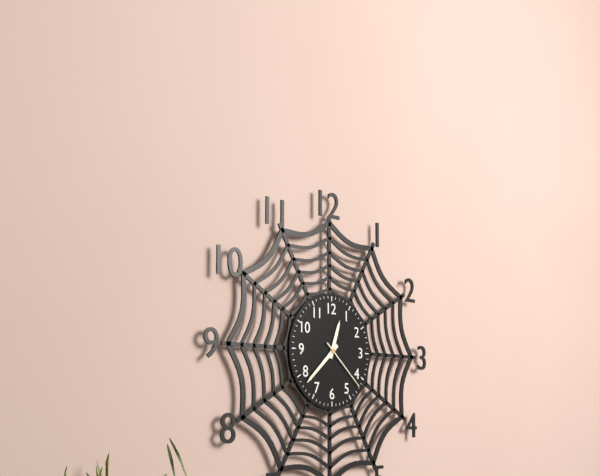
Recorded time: **12:38:22**
